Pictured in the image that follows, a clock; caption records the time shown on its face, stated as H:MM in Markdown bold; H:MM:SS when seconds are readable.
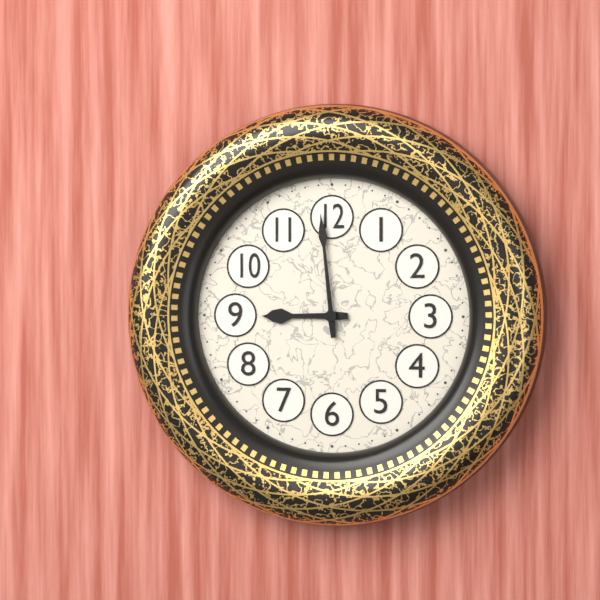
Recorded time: **8:59**
